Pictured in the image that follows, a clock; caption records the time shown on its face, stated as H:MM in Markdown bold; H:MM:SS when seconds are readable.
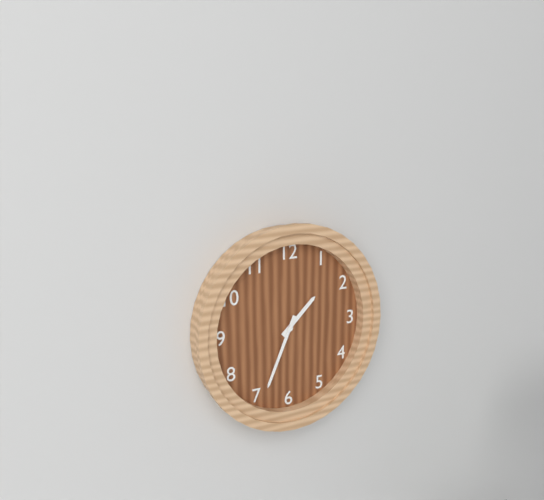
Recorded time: **1:34**
